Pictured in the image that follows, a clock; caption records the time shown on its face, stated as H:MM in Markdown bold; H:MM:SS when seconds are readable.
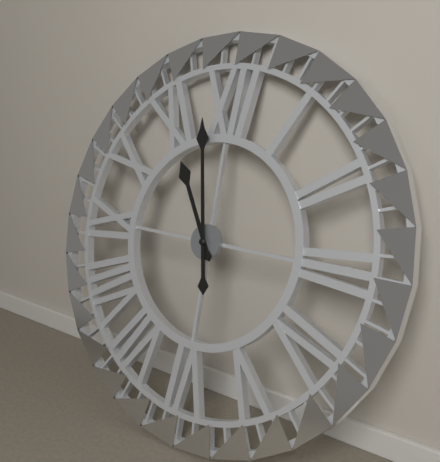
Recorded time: **10:58**
